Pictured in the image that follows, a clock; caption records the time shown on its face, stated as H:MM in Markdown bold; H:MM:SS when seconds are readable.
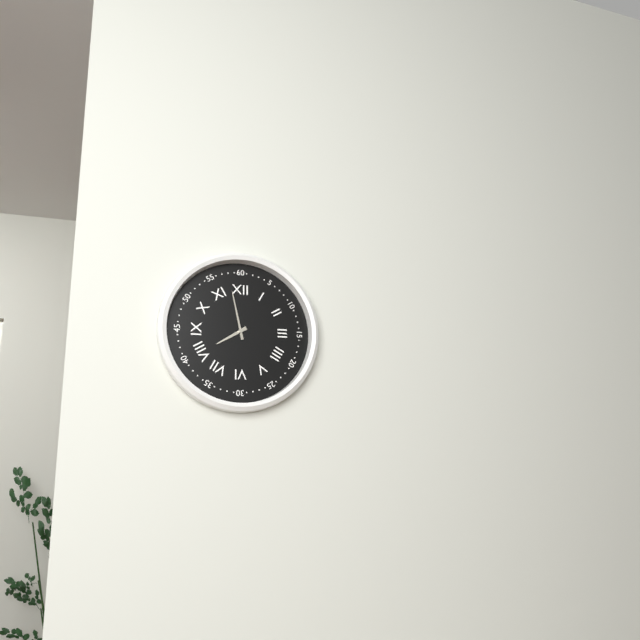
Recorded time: **7:58**
